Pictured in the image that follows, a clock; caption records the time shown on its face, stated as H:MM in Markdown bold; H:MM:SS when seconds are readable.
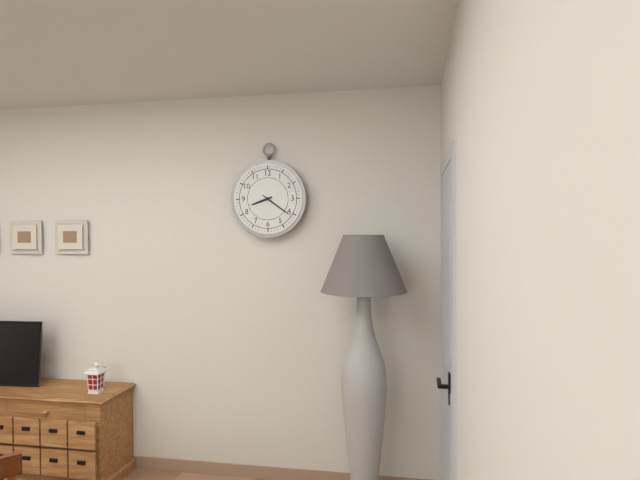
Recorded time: **8:21**
